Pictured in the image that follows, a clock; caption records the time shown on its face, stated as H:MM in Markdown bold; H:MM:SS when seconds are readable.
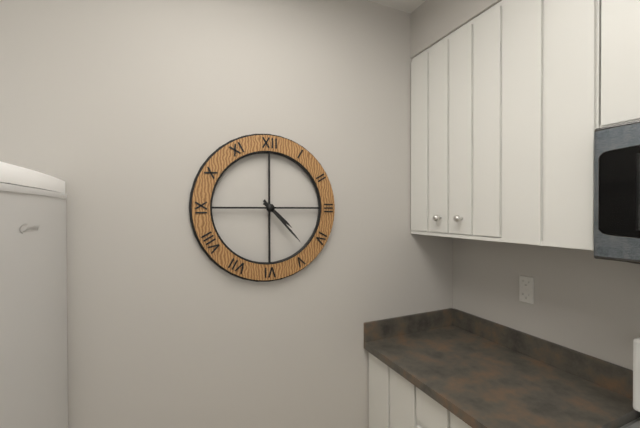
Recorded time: **4:23**
